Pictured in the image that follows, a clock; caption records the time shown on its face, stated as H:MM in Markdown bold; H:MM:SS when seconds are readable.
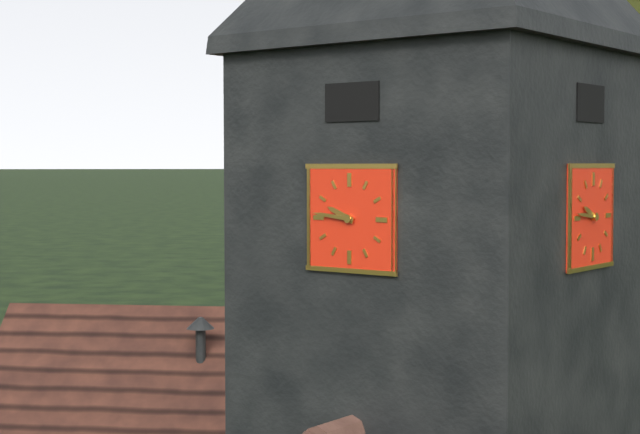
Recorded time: **9:46**
